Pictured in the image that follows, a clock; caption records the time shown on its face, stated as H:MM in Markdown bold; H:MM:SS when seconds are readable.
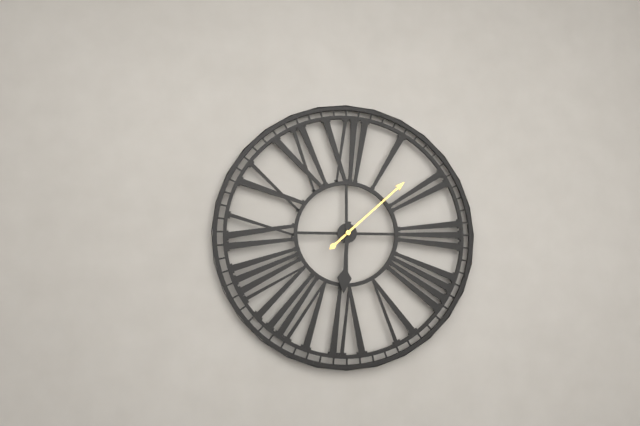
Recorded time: **6:08**
